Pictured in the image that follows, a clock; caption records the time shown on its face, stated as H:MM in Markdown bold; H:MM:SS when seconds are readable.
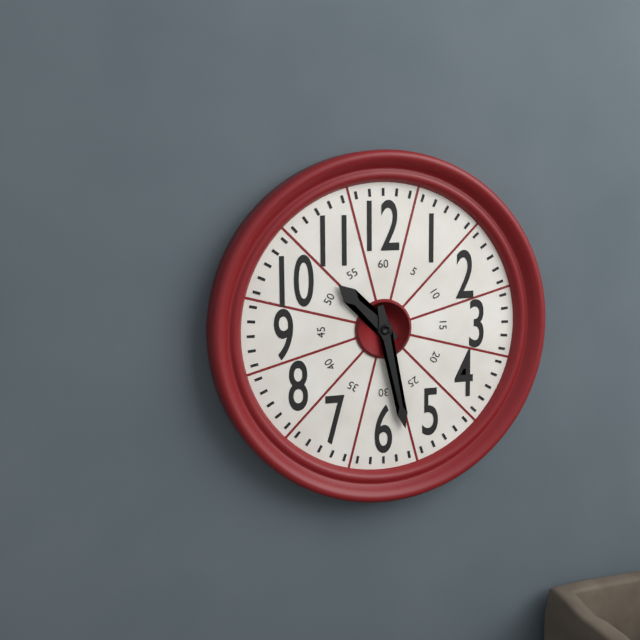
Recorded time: **10:28**
